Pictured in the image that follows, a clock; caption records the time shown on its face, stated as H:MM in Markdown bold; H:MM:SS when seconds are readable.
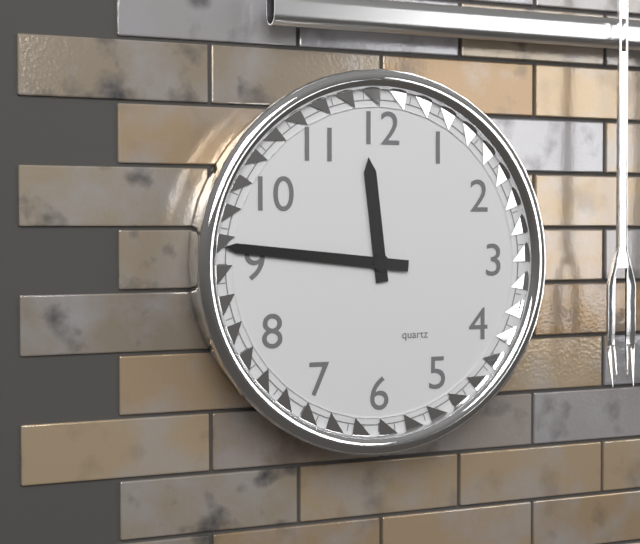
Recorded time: **11:46**
